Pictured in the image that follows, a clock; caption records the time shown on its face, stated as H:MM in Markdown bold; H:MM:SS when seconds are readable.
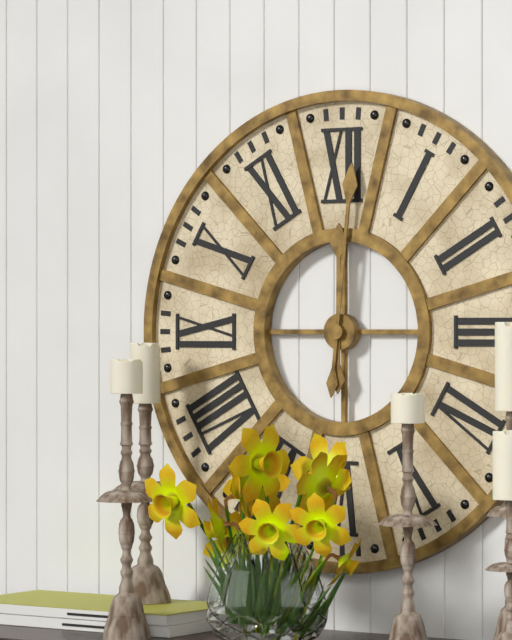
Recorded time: **12:01**
